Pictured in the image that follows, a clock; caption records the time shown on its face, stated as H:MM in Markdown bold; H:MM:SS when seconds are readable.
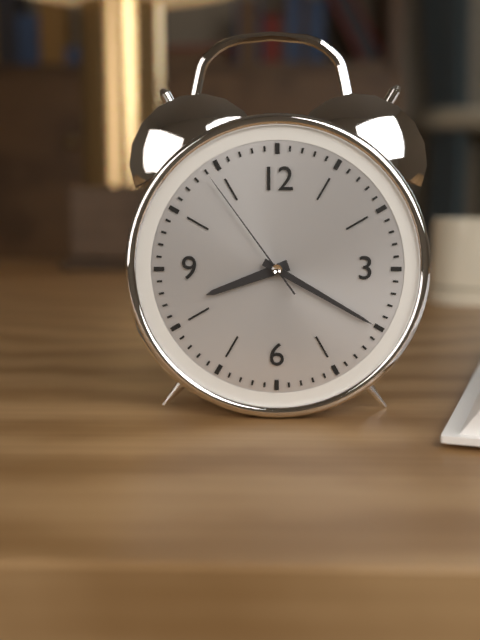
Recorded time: **8:20:54**
